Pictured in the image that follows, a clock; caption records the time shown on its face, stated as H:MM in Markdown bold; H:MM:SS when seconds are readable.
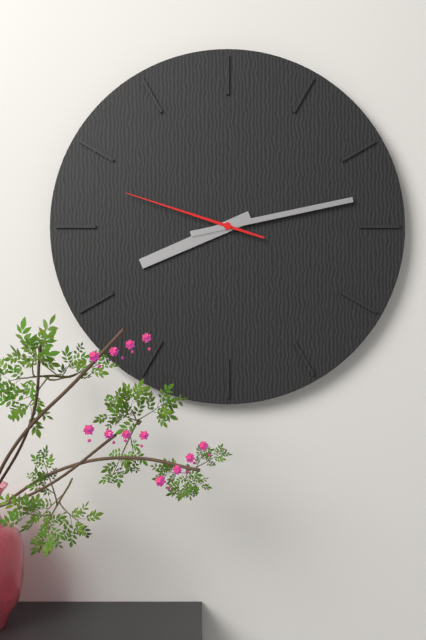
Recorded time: **8:13:48**
